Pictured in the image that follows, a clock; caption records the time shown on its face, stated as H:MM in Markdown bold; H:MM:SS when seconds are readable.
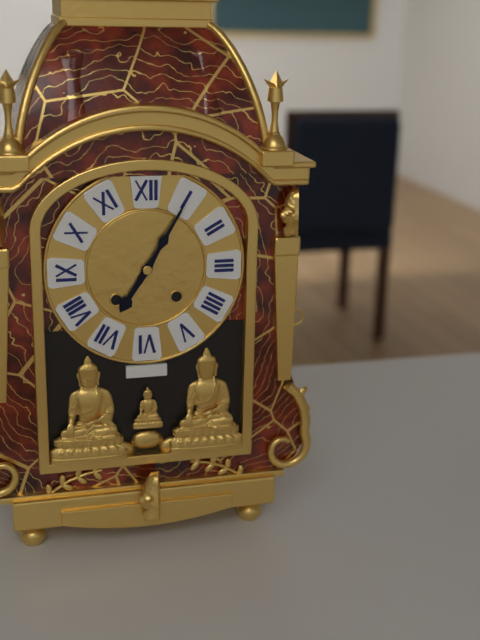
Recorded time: **7:05**
